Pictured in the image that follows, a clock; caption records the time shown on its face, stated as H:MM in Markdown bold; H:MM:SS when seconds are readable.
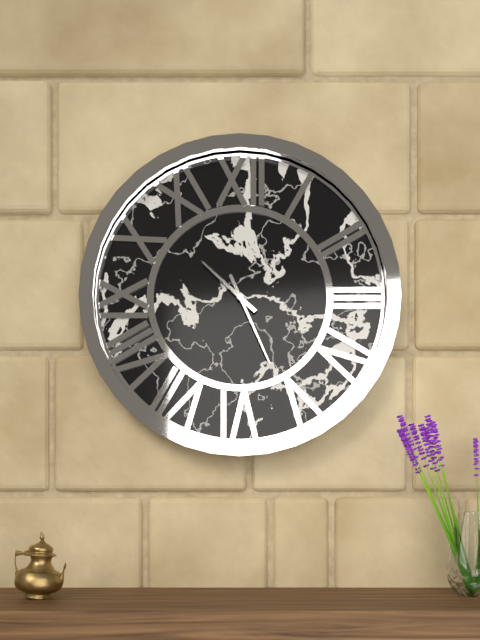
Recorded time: **10:26**
